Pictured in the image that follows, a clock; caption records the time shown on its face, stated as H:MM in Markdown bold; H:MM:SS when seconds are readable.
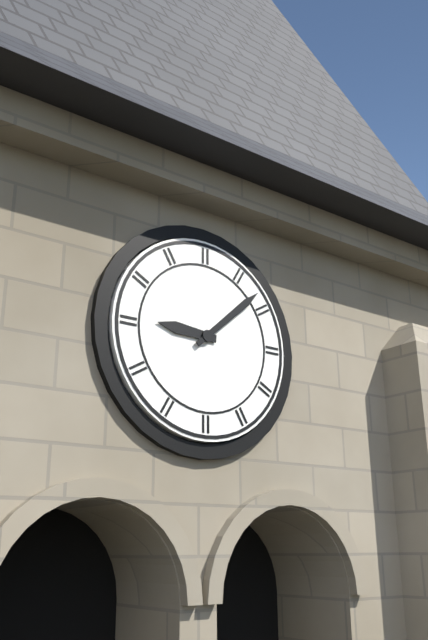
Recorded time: **9:08**
